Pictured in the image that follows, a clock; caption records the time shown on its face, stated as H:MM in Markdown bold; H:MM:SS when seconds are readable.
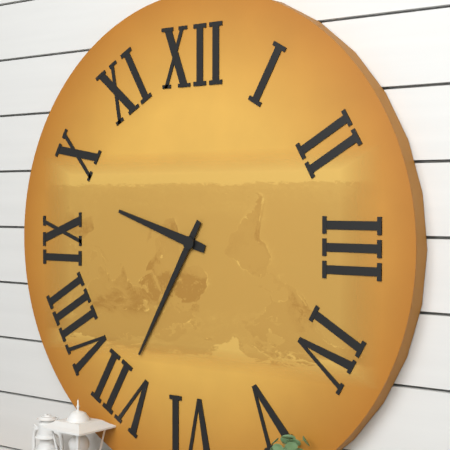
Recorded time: **9:35**
